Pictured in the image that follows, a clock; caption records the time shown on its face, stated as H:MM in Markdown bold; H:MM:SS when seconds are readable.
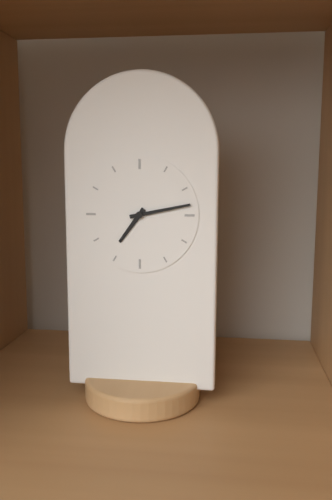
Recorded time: **7:13**
